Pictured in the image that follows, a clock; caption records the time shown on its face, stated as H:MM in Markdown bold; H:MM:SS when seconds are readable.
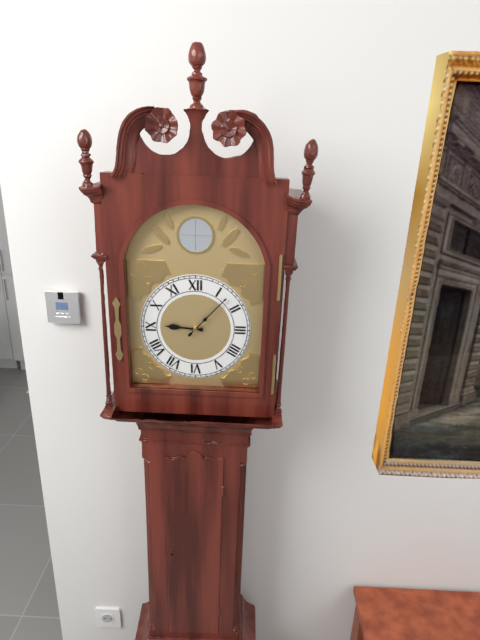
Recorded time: **9:07**
